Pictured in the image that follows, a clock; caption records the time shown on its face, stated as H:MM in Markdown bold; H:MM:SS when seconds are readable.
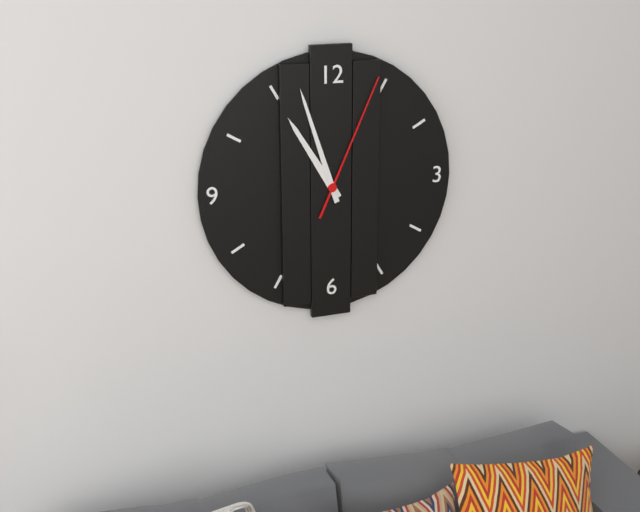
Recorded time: **10:57:04**
